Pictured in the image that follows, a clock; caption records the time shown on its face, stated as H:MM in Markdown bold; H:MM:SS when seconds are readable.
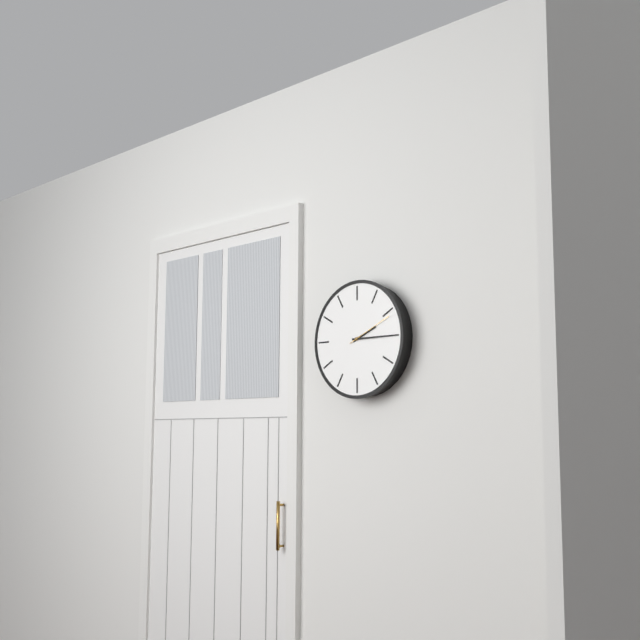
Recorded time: **2:15**
